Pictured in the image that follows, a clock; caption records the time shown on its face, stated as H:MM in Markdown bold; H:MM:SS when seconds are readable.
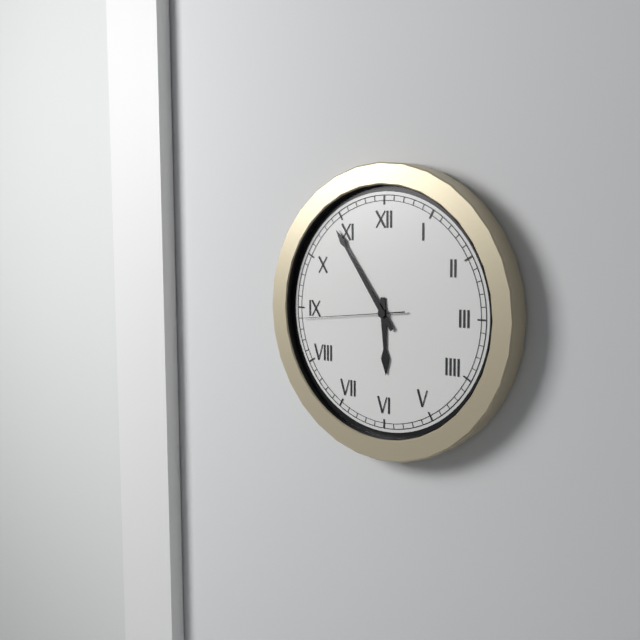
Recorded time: **5:54:44**
